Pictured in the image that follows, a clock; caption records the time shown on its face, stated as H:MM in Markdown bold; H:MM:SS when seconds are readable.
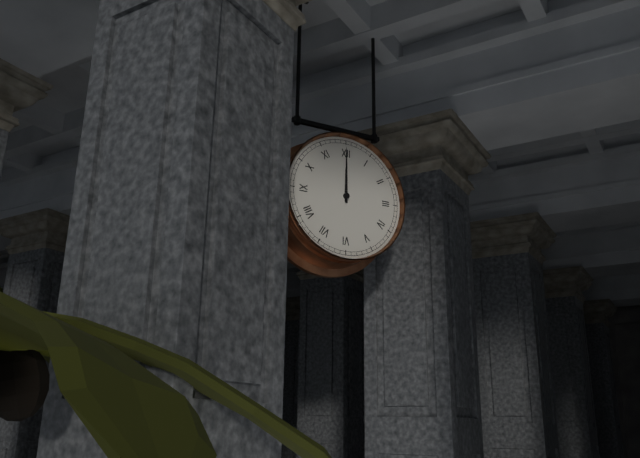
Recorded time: **12:00**
